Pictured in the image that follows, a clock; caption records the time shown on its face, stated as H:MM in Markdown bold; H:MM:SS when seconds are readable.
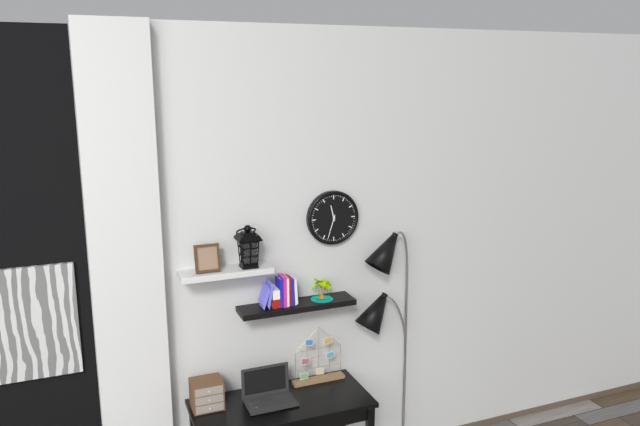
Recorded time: **11:33**
